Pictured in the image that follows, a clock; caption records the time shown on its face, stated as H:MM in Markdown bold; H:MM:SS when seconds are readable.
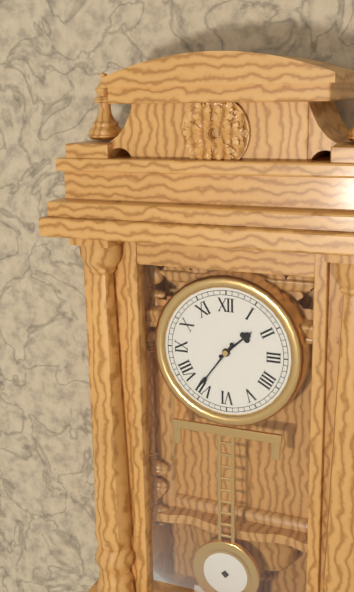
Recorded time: **1:36**
